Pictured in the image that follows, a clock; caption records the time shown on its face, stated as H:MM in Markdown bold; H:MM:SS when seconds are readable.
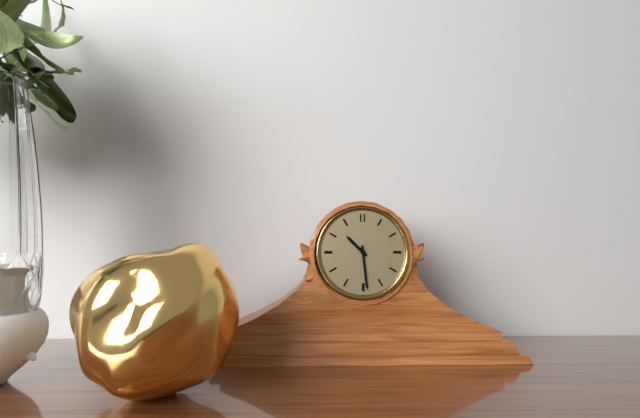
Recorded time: **10:29**
